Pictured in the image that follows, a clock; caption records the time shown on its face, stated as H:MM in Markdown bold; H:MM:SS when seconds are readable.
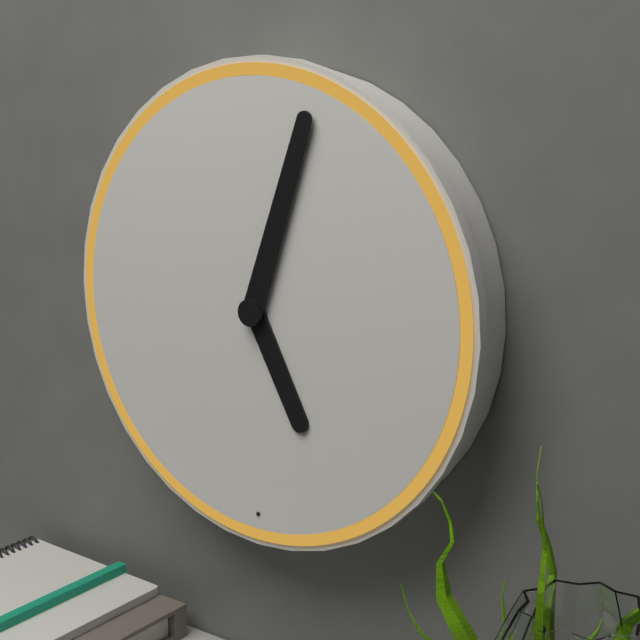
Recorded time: **5:03**
